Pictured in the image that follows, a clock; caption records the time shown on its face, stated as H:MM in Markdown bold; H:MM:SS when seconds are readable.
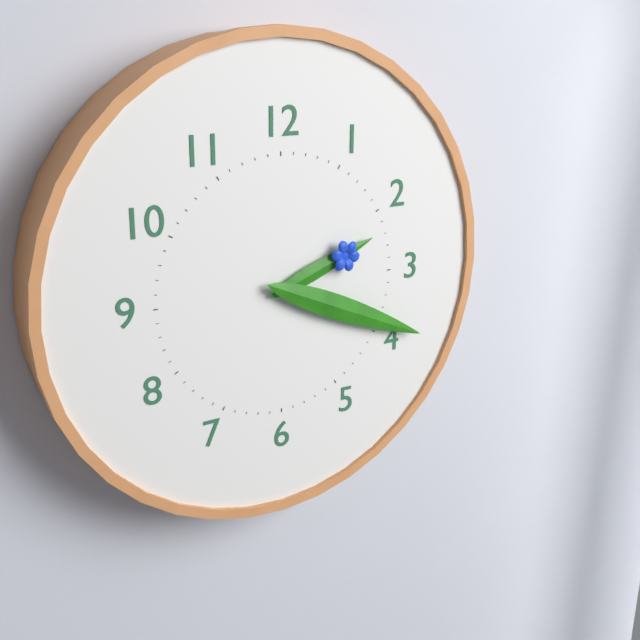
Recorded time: **2:19**
